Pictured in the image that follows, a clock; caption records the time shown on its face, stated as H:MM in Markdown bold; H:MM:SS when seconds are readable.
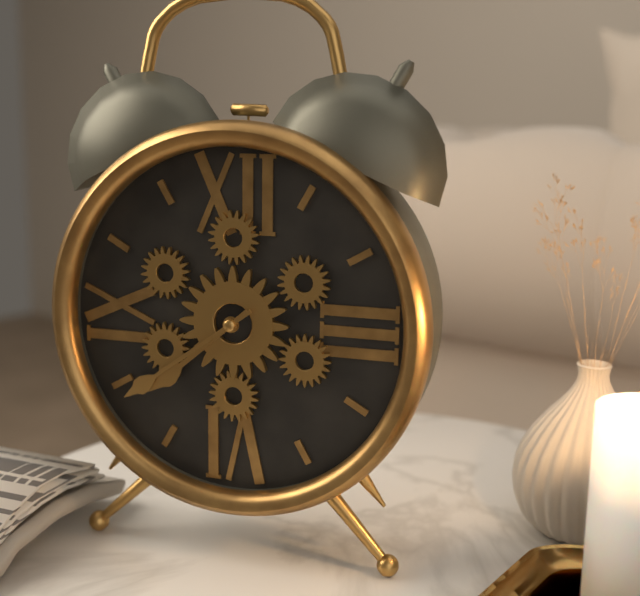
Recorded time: **7:39**
